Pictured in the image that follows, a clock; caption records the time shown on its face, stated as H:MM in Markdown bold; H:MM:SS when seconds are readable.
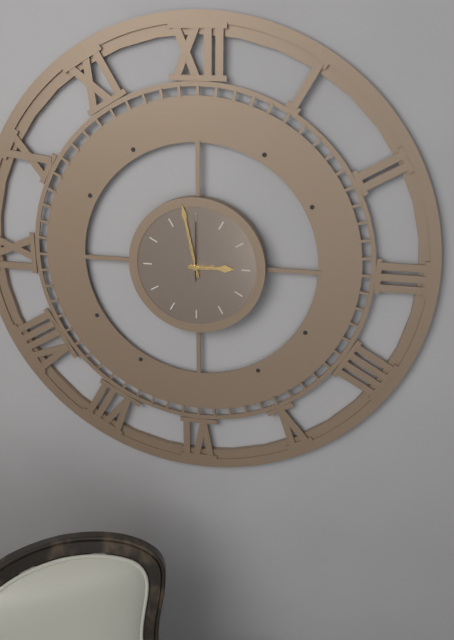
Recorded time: **2:58:00**
